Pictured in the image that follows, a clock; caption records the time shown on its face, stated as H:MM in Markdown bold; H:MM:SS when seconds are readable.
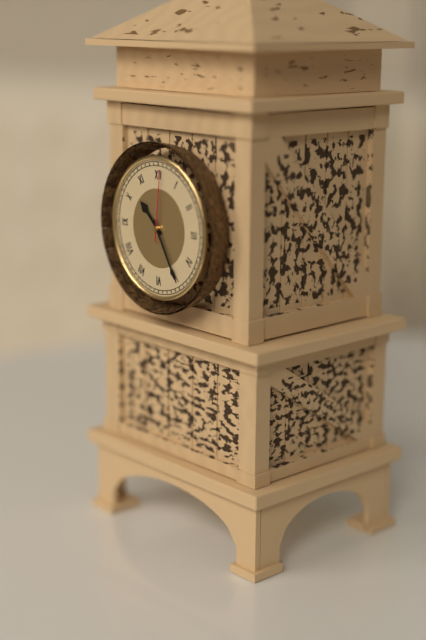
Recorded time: **10:25:01**
